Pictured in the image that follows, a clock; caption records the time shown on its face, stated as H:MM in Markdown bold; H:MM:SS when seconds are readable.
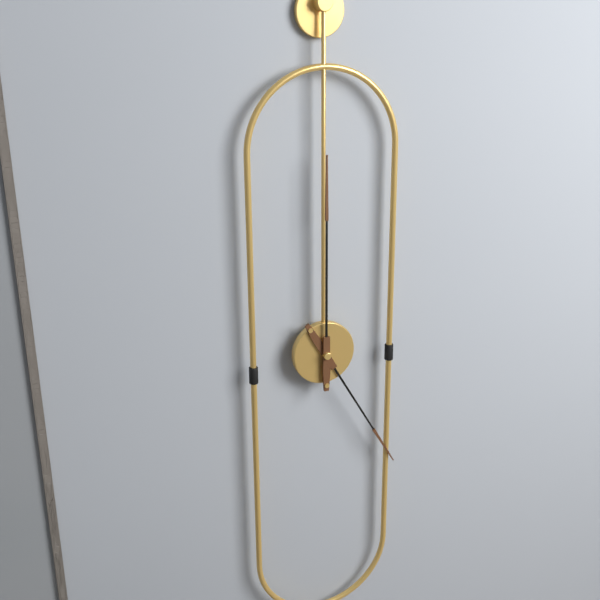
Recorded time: **5:00**
